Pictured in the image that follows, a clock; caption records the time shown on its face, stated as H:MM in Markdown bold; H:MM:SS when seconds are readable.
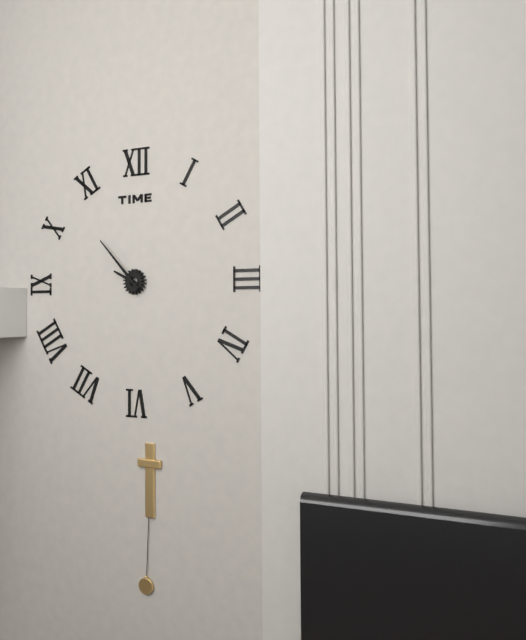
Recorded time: **9:53**
